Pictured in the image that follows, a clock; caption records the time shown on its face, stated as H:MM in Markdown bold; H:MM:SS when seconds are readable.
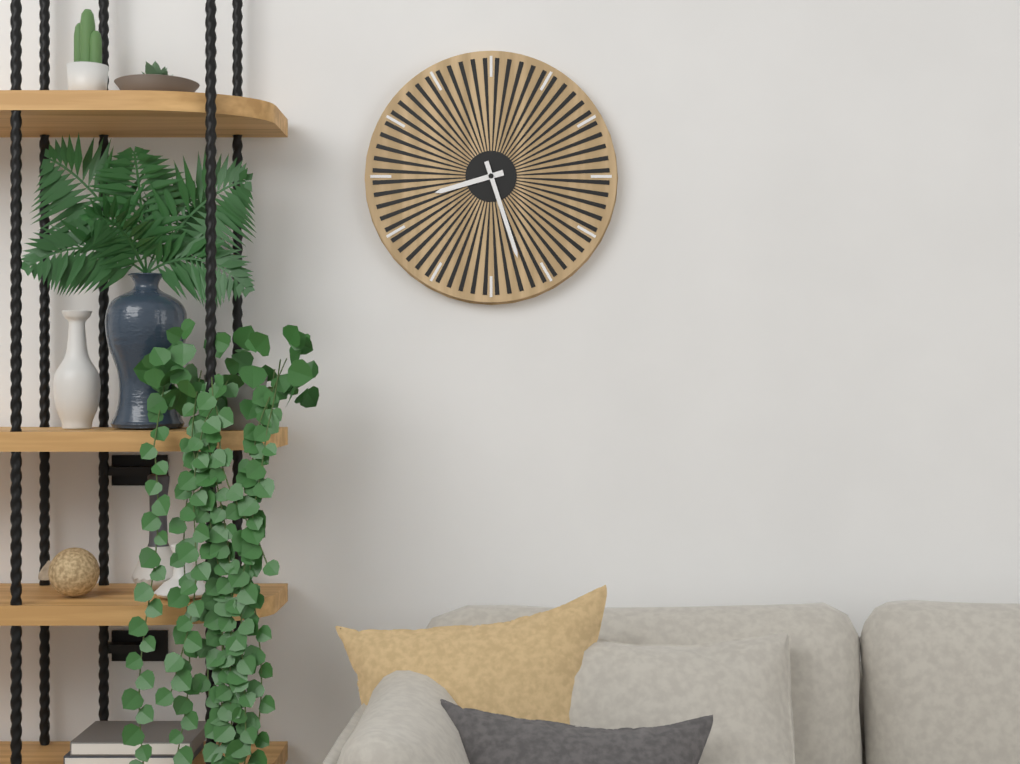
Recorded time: **8:27**
